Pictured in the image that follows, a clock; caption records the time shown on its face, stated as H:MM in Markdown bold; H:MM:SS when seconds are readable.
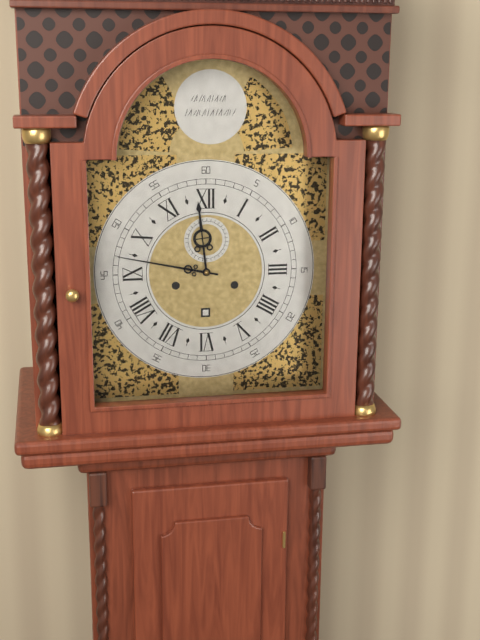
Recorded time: **11:47**
